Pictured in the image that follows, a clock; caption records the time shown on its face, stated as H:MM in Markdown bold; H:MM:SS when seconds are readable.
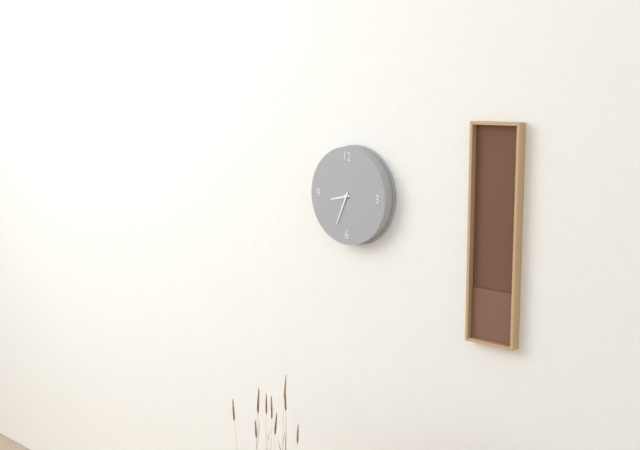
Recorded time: **8:34**
